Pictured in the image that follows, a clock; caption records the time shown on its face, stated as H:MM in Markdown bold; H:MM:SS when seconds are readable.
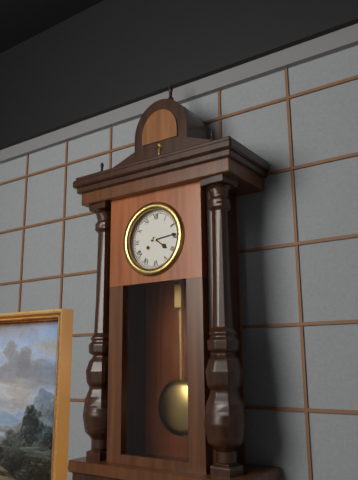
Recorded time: **4:14**
